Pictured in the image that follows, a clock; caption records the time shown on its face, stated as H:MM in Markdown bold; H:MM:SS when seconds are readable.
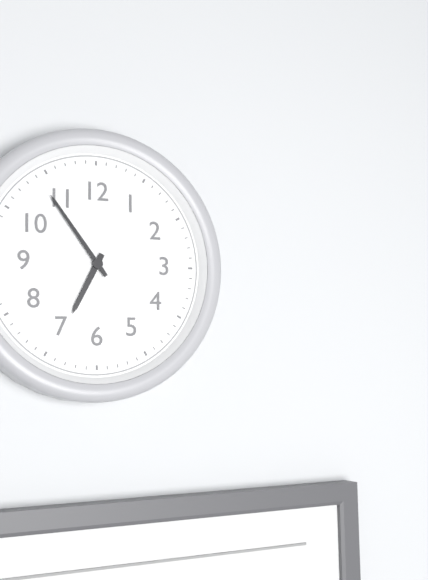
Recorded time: **6:54**
